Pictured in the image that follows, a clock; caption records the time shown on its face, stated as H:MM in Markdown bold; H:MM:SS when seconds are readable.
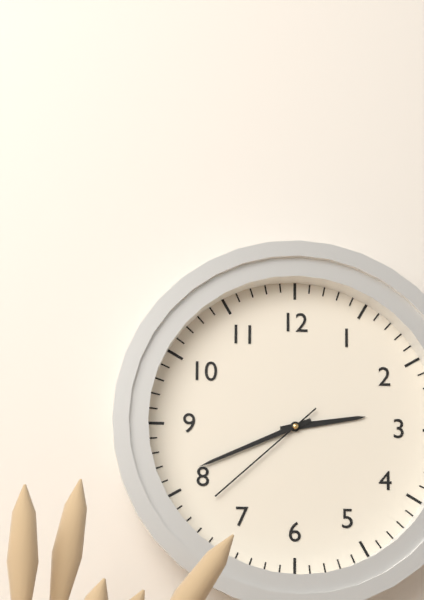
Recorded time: **2:41:38**
